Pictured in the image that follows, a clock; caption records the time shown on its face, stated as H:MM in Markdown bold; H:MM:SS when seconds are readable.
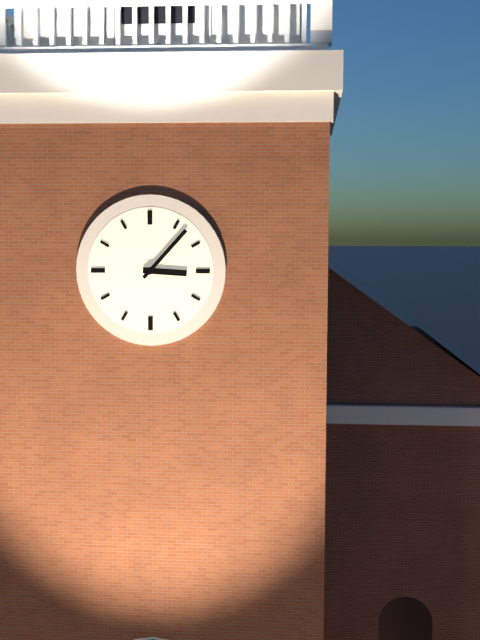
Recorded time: **3:07**
